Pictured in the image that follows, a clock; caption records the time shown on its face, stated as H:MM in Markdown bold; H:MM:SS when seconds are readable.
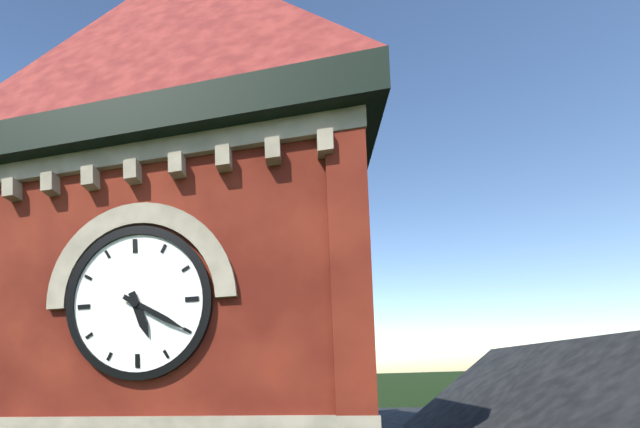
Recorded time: **5:20**
